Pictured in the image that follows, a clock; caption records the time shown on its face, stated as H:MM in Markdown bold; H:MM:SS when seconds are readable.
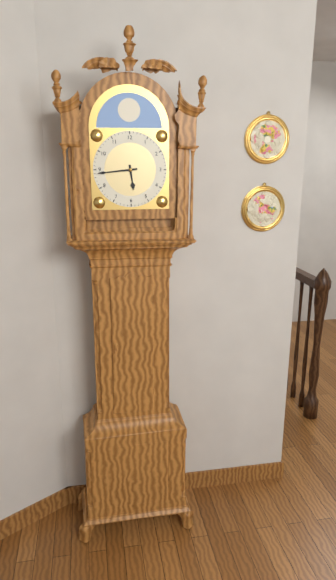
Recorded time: **5:44**
